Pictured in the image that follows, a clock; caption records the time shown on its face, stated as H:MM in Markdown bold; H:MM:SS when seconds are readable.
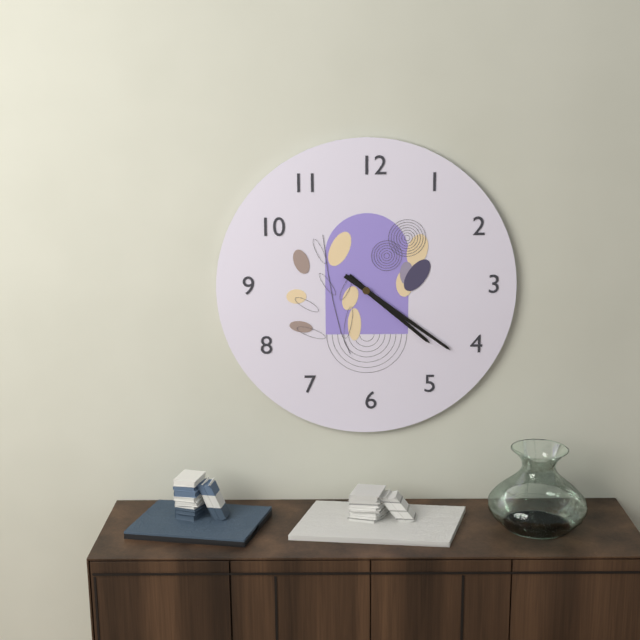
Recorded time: **4:21**
